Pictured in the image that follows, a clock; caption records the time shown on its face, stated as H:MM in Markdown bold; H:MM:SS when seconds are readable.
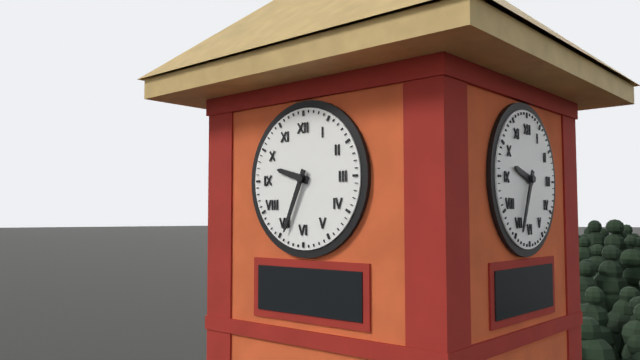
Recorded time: **9:34**
